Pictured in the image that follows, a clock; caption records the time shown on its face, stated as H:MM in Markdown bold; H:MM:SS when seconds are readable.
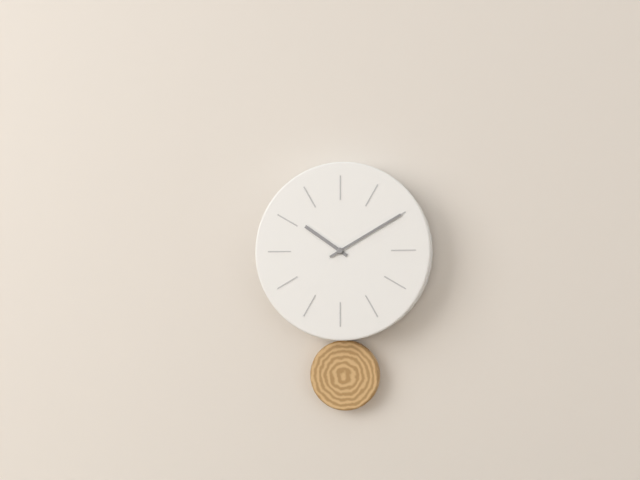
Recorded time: **10:10**
